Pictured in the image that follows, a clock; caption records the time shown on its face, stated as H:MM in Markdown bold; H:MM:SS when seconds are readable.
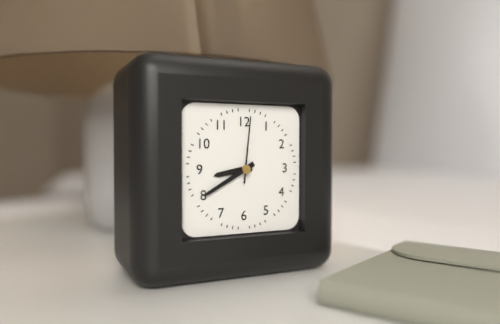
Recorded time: **8:40:01**
